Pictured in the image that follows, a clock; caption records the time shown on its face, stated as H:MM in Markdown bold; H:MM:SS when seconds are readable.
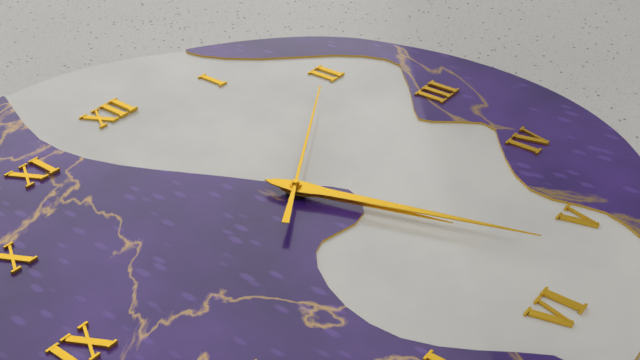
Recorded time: **5:27:10**
